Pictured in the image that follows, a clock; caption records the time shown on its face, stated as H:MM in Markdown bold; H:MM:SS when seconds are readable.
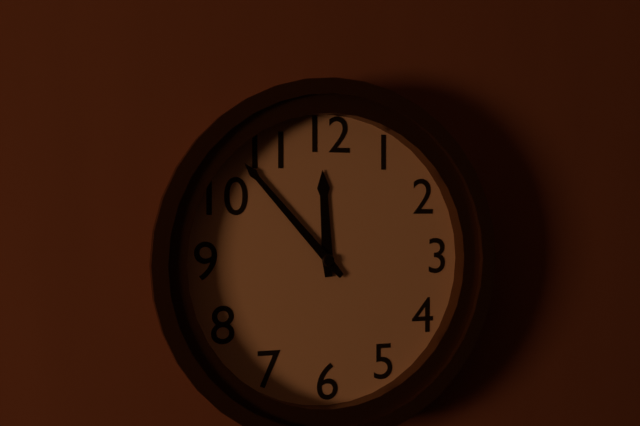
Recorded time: **11:53**
